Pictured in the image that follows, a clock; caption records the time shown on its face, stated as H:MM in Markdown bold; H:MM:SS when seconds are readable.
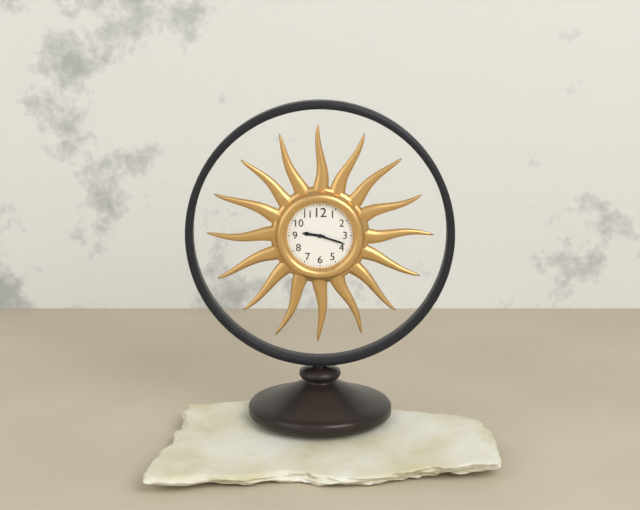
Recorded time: **9:18**
